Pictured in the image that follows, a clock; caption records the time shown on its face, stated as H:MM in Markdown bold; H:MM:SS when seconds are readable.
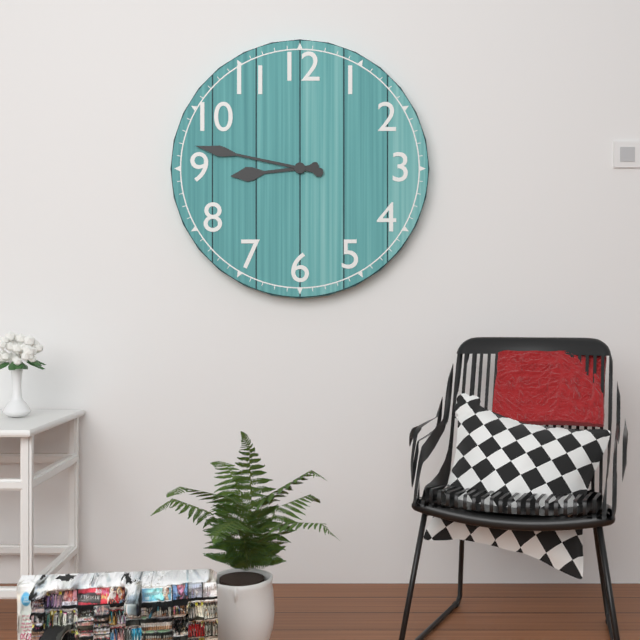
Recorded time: **8:47**
